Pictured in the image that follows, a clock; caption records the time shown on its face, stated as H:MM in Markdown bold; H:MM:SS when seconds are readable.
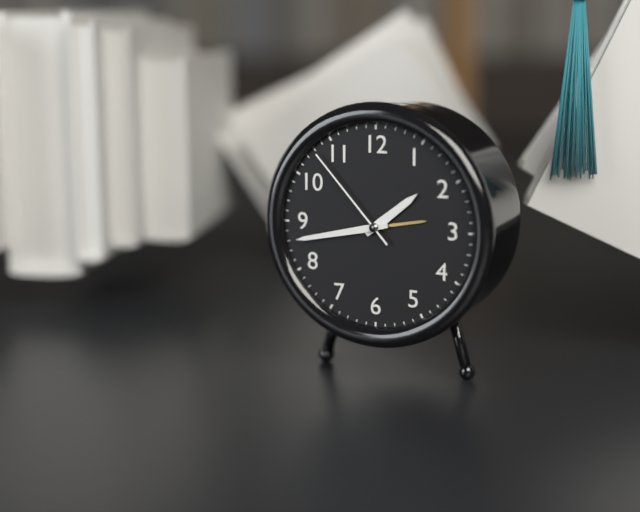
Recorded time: **1:43:53**
